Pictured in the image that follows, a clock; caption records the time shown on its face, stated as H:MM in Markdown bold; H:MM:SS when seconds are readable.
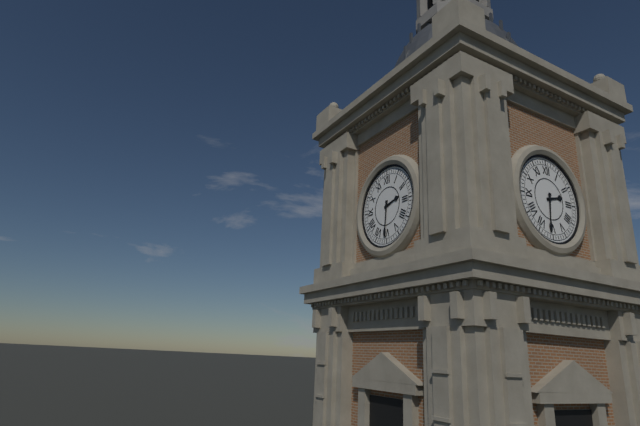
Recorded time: **2:31**
